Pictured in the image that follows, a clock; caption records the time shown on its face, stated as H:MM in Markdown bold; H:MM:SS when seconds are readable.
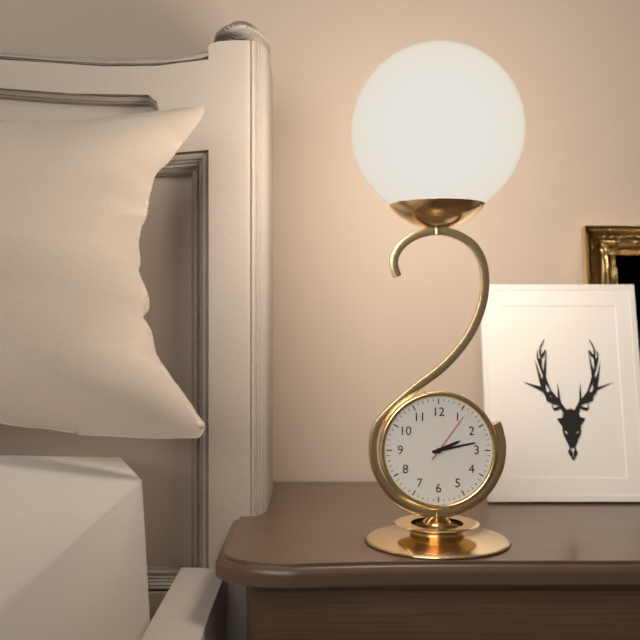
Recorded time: **2:13:06**
